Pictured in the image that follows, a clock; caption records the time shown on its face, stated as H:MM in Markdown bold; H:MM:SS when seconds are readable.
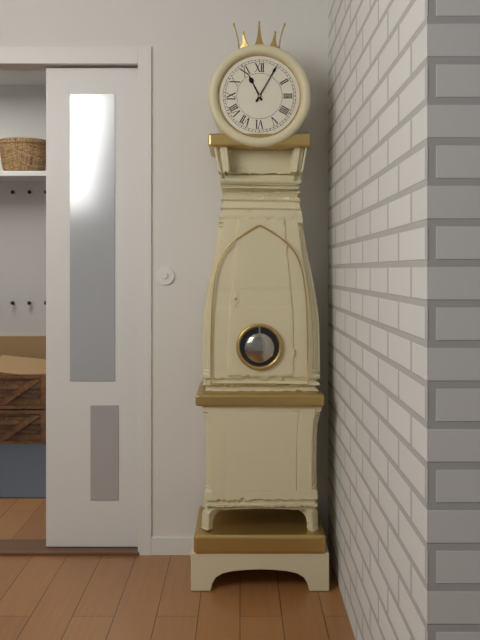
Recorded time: **11:05**
